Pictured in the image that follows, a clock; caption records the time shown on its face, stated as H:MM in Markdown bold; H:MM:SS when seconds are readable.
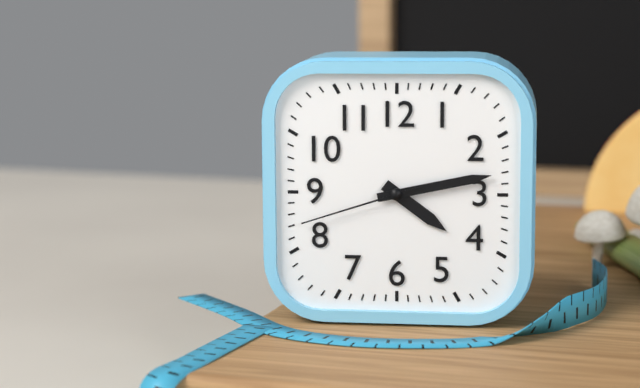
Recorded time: **4:13:42**
